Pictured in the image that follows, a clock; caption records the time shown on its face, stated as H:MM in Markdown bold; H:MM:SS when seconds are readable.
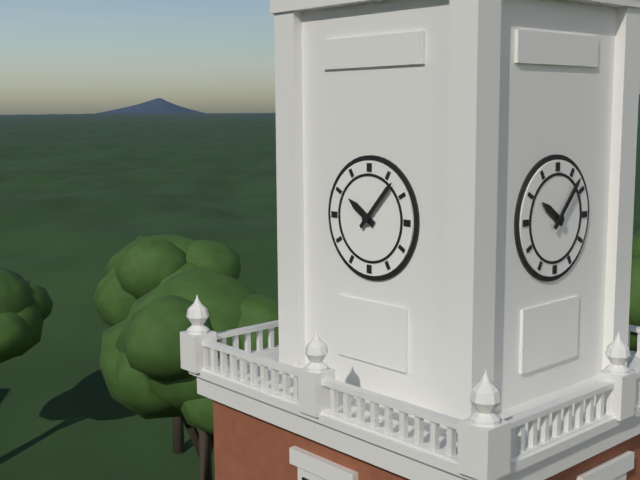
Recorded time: **10:07**
